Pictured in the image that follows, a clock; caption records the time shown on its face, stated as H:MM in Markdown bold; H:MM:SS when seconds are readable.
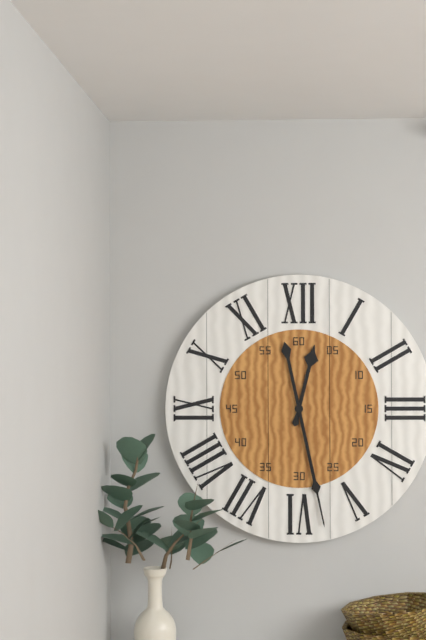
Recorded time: **12:28**
